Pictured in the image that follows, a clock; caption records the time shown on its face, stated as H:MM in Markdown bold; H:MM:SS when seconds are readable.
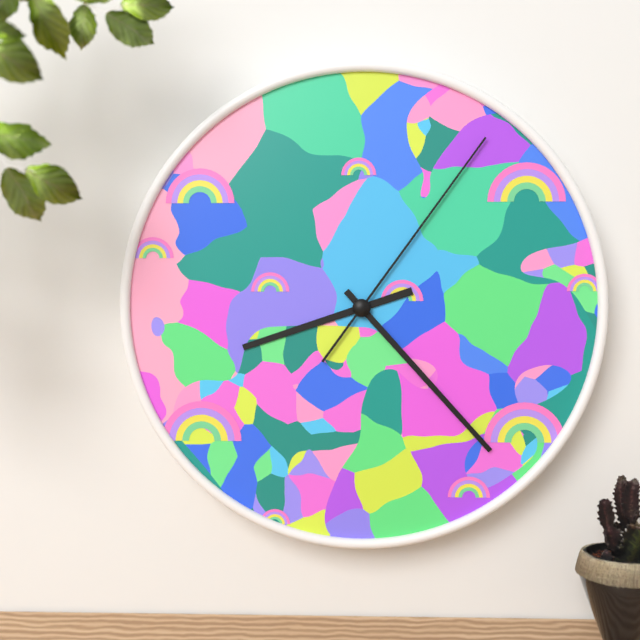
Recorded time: **8:23:06**
